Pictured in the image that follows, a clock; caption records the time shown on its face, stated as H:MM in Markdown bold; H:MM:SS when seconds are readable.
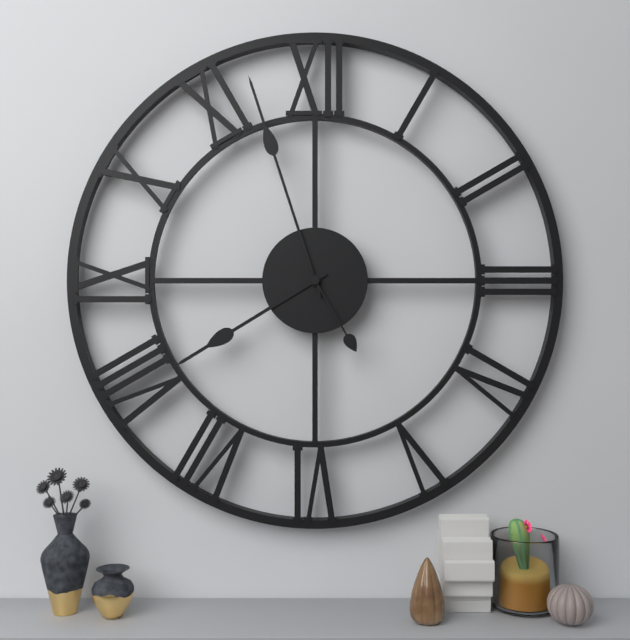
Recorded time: **7:57:25**
